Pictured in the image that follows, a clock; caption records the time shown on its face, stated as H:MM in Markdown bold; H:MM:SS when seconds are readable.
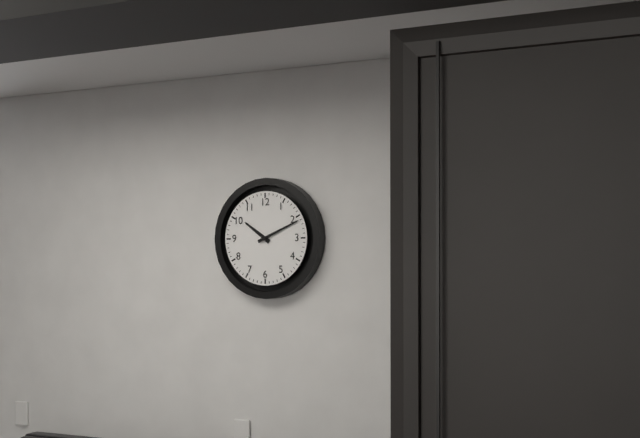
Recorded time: **10:11**
